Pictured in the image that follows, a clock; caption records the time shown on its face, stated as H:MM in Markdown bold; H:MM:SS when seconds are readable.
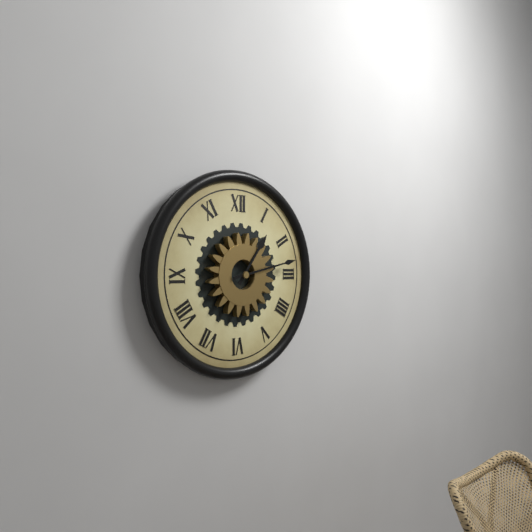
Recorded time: **1:13**
